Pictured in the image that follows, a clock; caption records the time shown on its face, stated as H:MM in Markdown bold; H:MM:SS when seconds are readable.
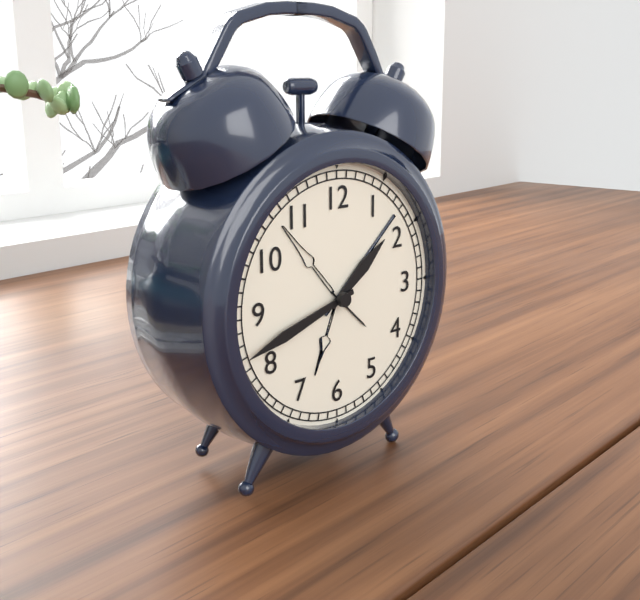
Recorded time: **1:42**
